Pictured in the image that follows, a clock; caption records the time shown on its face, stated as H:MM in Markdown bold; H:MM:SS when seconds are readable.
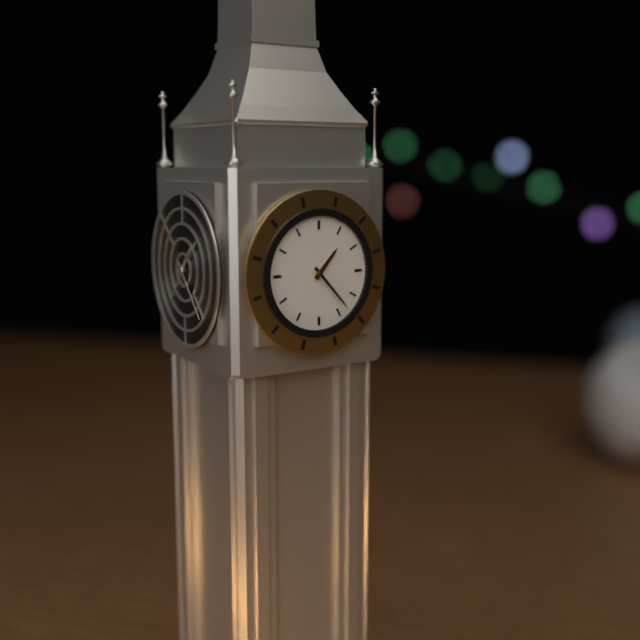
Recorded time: **1:23**
